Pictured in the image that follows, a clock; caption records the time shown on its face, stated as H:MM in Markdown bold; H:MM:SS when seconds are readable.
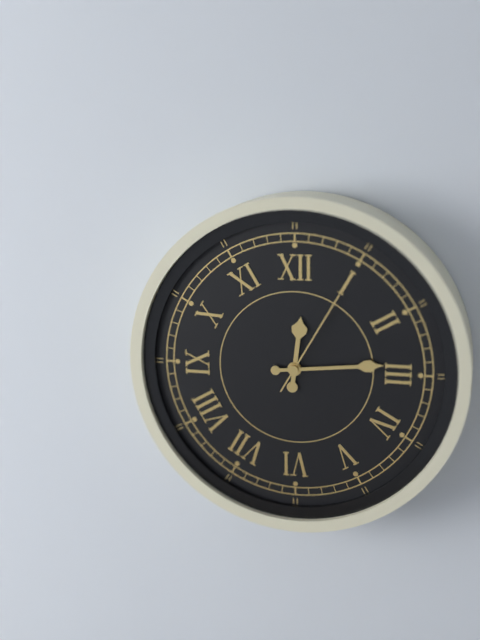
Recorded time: **12:14:05**
